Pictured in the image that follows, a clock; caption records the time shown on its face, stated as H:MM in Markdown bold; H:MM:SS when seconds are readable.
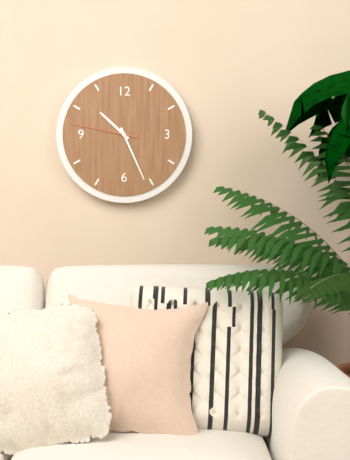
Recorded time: **10:26:47**
